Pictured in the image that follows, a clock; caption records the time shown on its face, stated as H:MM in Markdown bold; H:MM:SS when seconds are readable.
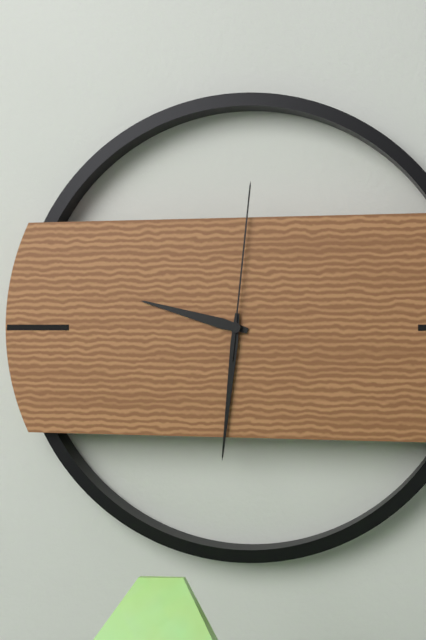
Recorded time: **9:31:01**
